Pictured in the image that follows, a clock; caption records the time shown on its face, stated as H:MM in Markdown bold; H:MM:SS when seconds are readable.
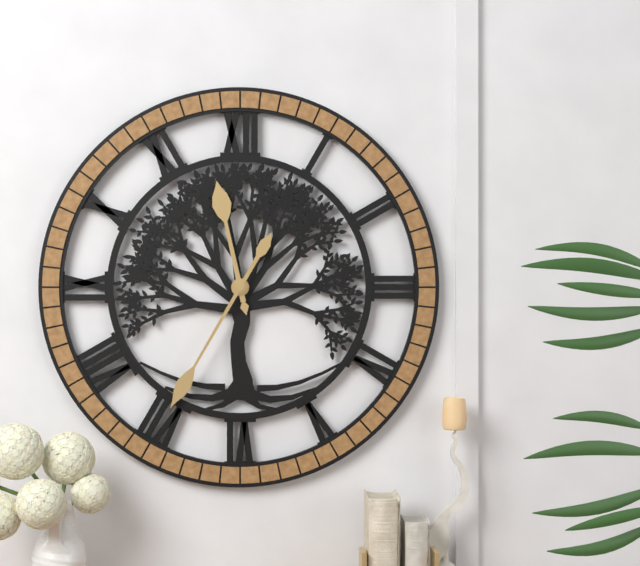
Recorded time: **11:35**
